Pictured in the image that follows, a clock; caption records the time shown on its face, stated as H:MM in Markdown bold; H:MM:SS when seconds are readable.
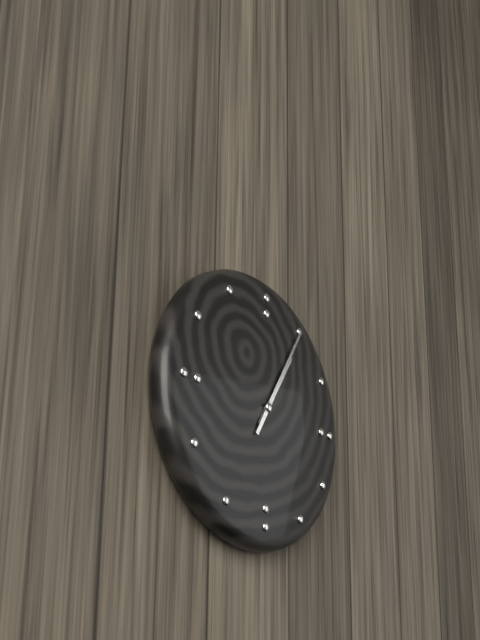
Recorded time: **1:05**
